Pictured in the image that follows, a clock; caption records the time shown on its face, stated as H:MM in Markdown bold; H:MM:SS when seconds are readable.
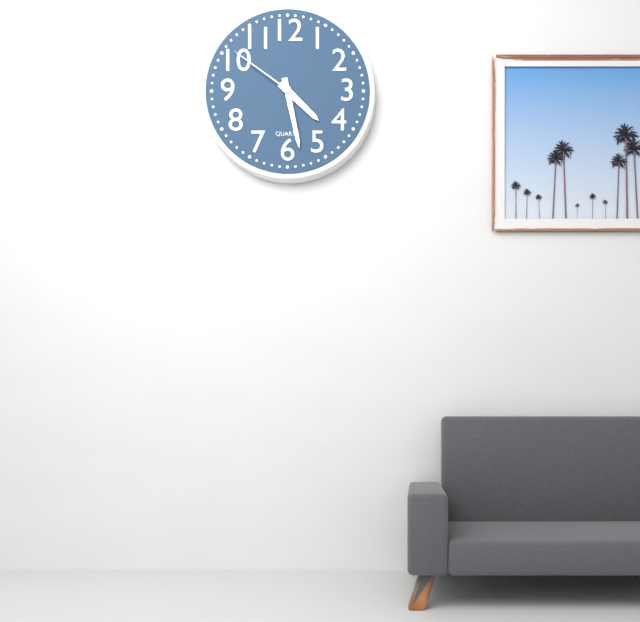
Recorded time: **4:28:51**
